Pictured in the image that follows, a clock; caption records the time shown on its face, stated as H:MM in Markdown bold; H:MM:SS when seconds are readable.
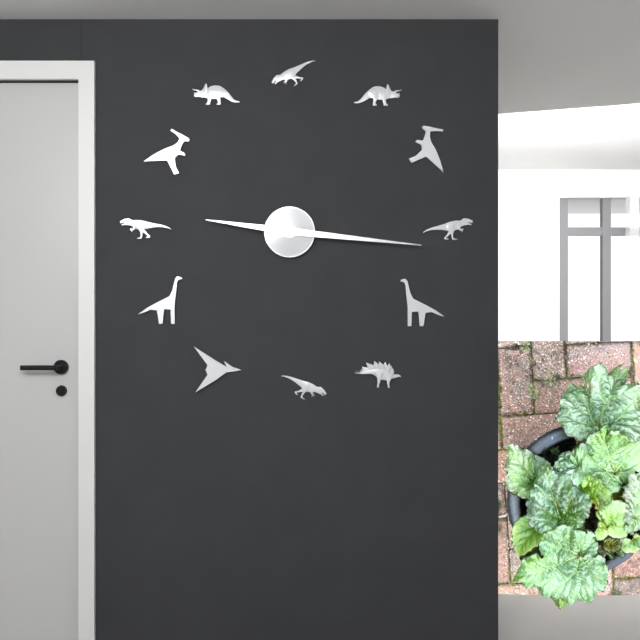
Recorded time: **9:16**
